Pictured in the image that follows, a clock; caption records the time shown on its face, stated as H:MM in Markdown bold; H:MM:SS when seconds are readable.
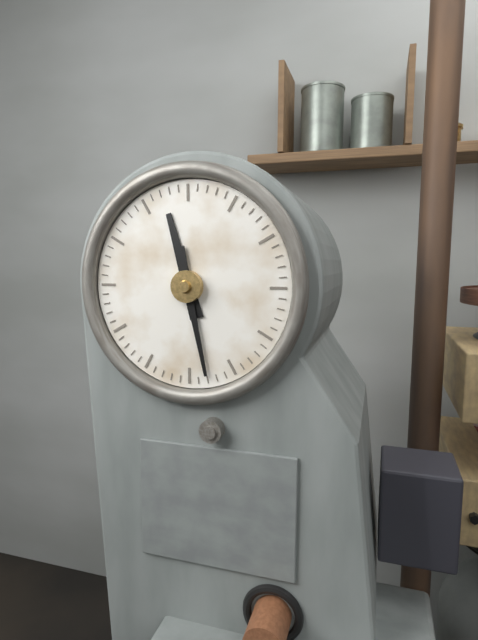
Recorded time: **11:28**
